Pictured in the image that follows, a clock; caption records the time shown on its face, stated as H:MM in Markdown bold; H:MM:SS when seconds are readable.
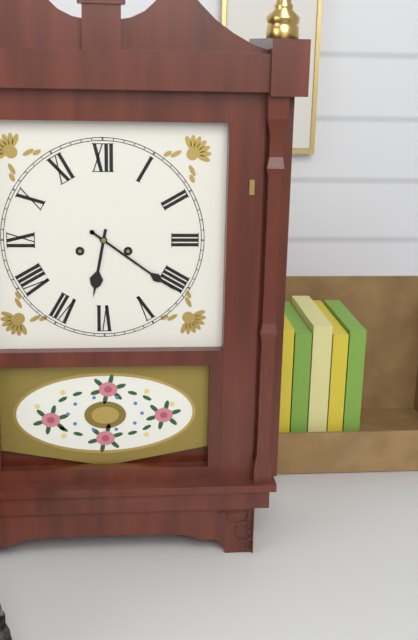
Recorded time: **6:21**
